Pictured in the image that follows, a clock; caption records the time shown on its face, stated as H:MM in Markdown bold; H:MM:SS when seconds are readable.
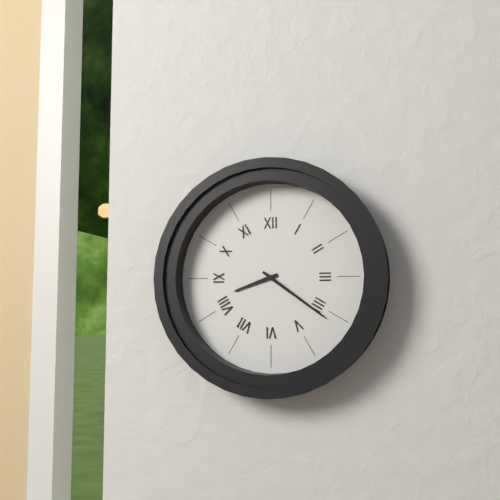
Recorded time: **8:21**
